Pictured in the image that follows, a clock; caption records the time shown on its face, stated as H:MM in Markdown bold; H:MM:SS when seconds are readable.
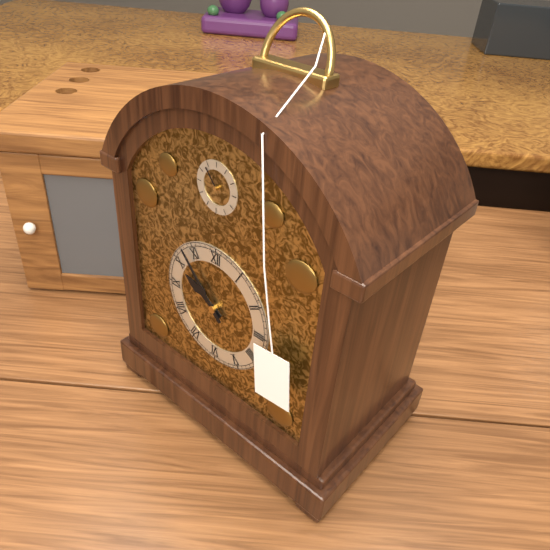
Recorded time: **9:53**
